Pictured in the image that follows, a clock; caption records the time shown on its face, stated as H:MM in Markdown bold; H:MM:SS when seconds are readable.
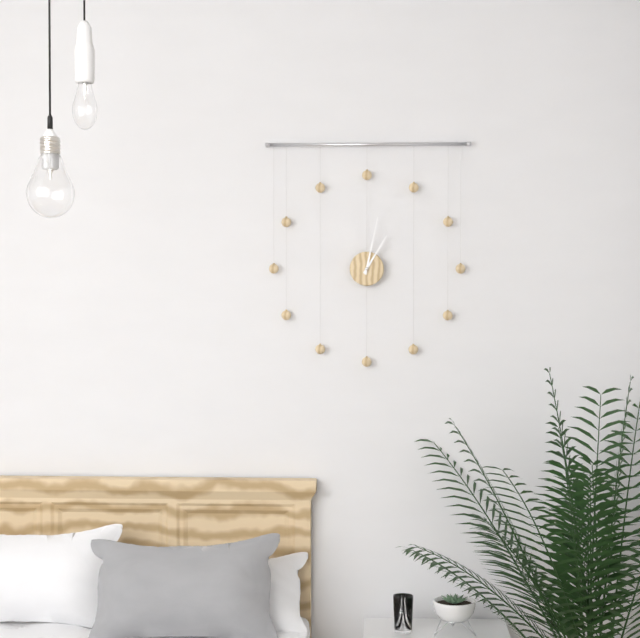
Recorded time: **1:02**
